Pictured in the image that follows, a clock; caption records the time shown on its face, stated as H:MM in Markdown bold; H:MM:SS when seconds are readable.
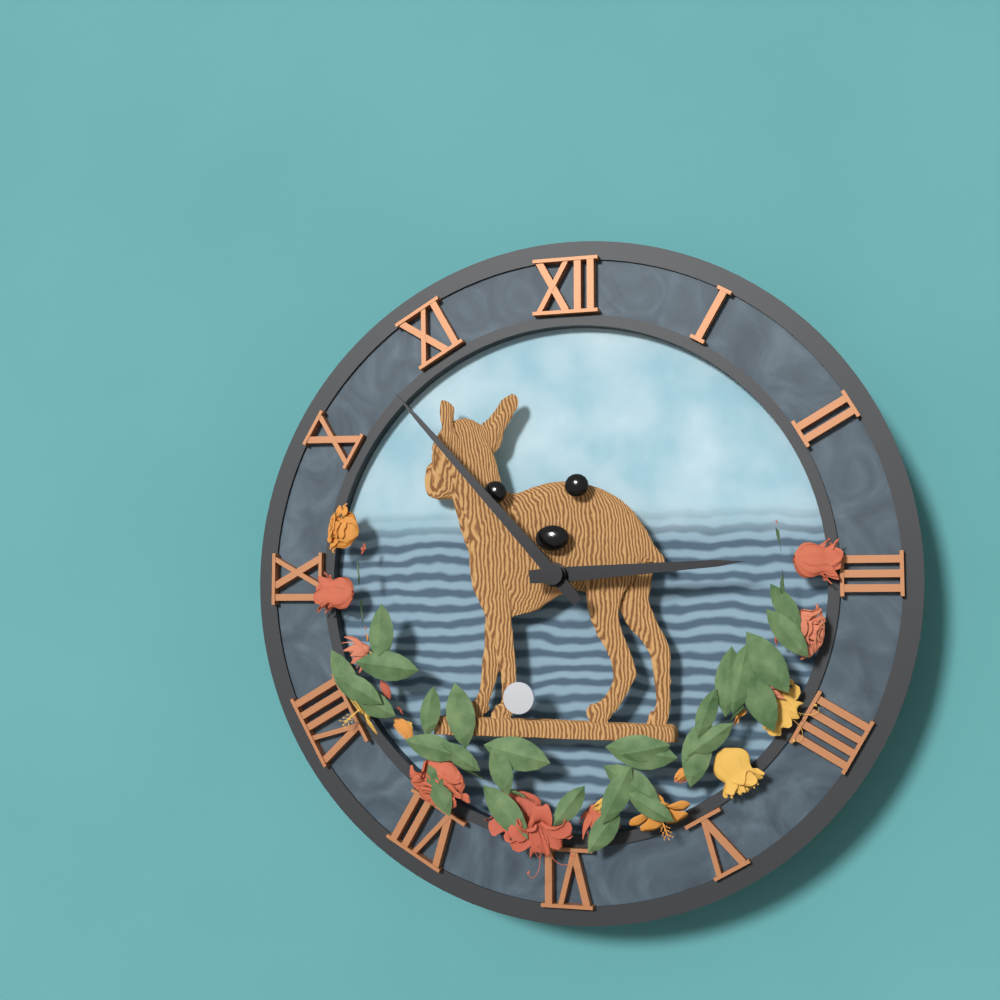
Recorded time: **2:53**
